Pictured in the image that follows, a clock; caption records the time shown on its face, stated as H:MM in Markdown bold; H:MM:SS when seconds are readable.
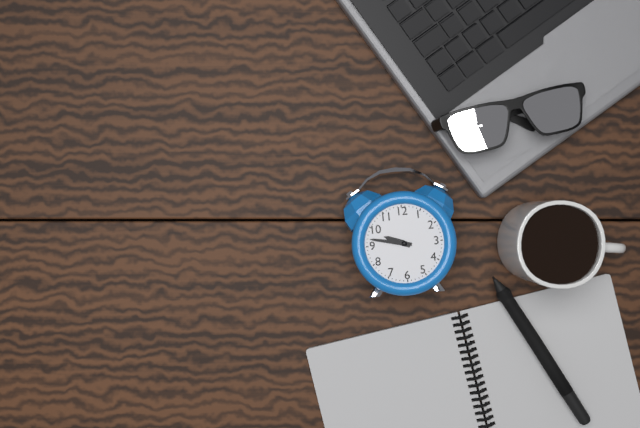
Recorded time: **9:47**
